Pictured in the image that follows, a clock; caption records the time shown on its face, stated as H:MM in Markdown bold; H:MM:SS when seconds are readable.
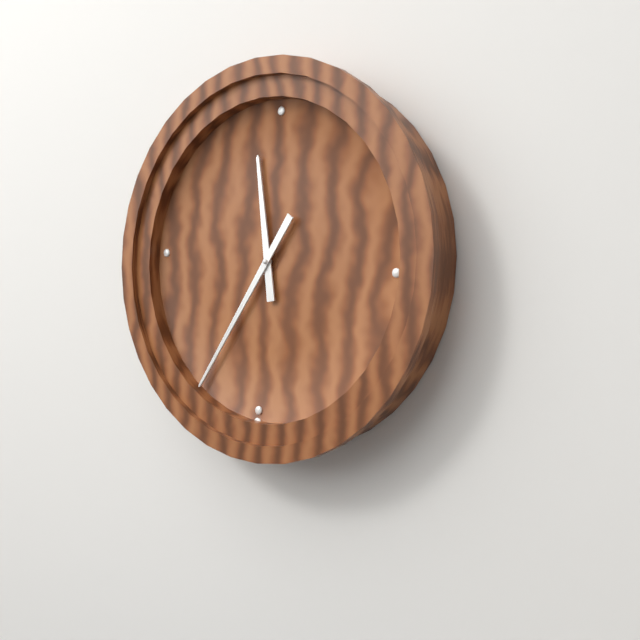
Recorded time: **11:35**
